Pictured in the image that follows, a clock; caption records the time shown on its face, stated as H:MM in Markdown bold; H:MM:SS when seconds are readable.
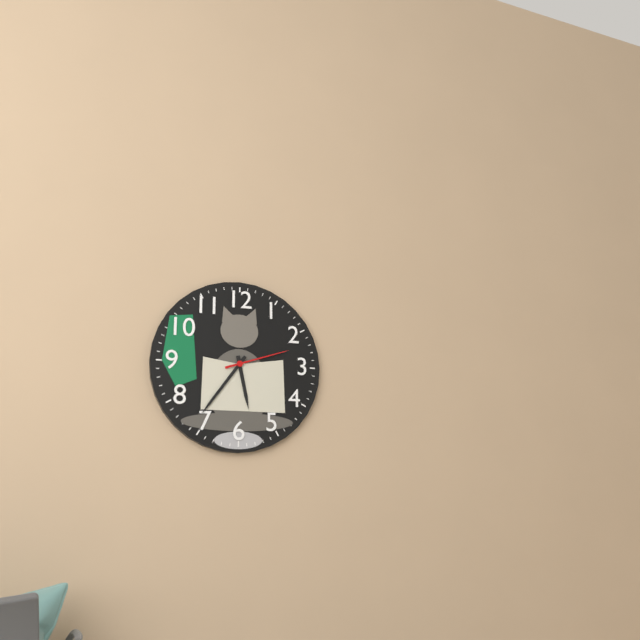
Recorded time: **5:36:12**
